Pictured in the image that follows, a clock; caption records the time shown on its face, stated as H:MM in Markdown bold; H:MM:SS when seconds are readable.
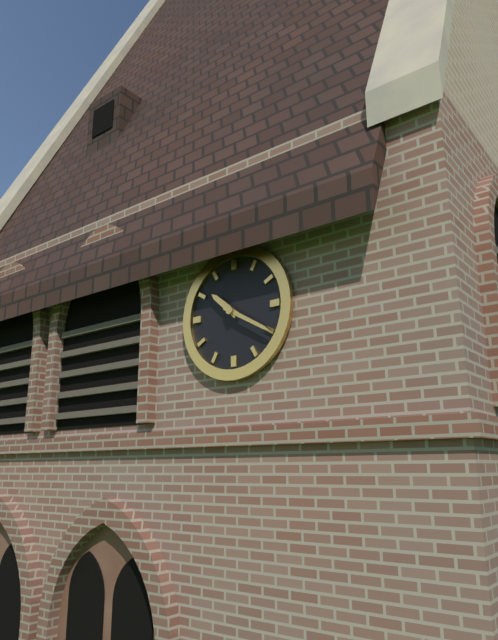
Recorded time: **10:20**
